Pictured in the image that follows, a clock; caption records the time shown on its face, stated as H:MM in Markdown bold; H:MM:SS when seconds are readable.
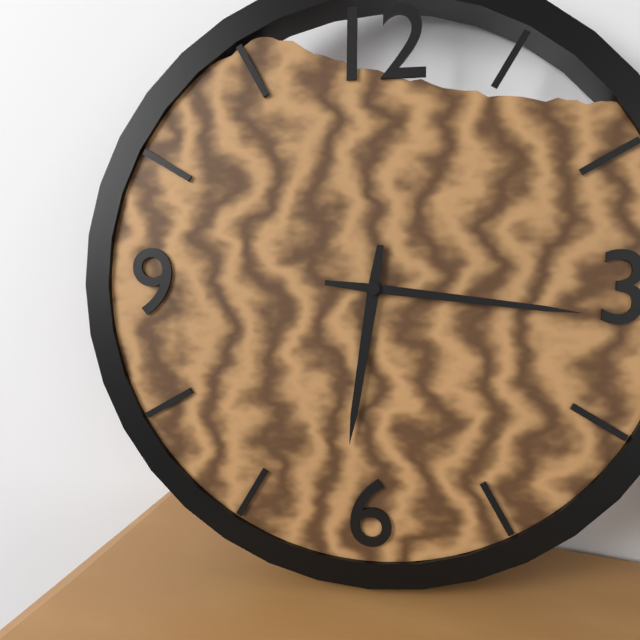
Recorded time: **6:16**
